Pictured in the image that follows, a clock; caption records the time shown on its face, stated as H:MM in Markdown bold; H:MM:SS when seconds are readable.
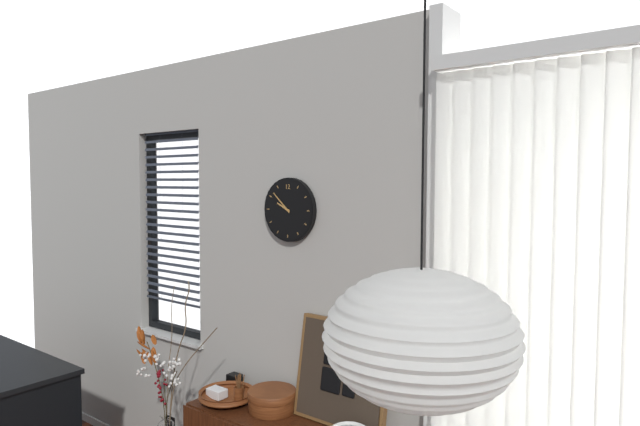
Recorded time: **9:52**
